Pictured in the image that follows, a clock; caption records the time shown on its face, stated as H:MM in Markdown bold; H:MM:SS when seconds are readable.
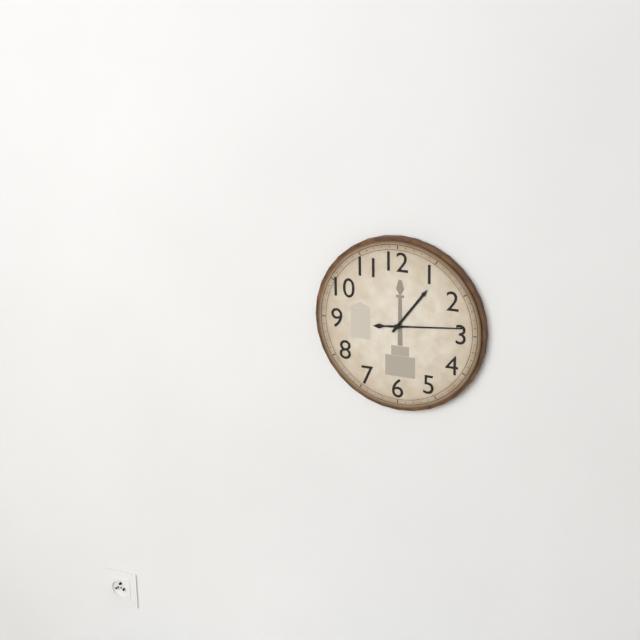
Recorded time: **1:14**
